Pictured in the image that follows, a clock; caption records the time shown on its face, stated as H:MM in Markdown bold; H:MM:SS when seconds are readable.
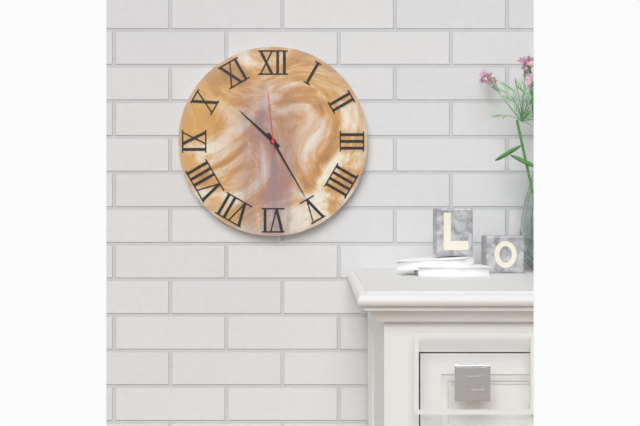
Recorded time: **10:25:59**
